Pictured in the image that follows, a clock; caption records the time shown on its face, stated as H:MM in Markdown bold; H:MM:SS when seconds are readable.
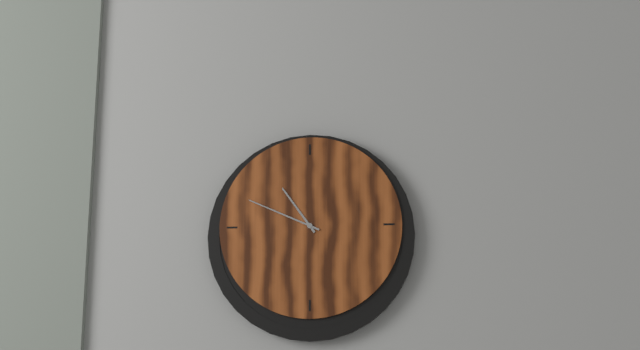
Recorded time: **10:49**
